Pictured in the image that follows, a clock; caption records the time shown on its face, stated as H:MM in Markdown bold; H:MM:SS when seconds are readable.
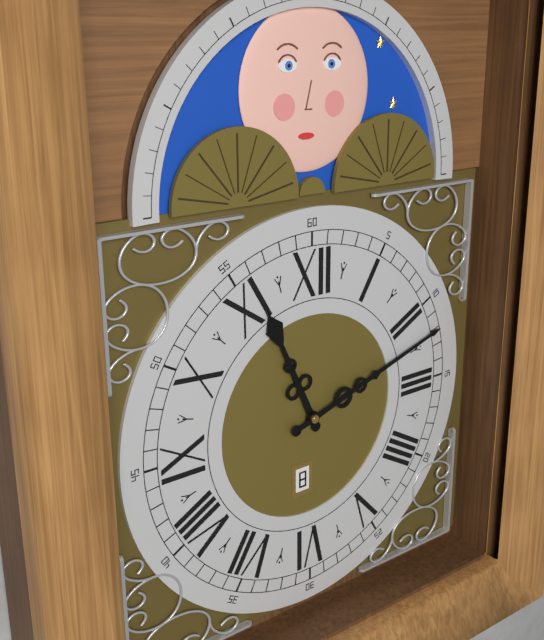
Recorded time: **11:12**
